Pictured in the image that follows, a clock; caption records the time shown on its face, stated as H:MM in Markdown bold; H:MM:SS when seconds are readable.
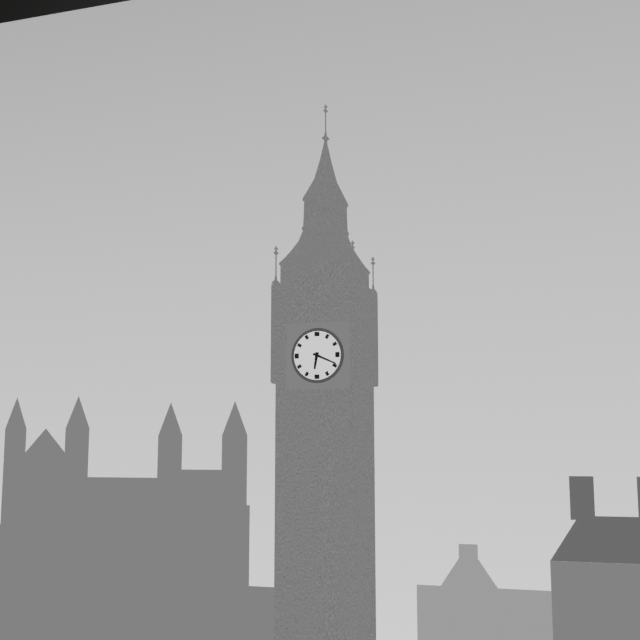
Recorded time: **6:19**
